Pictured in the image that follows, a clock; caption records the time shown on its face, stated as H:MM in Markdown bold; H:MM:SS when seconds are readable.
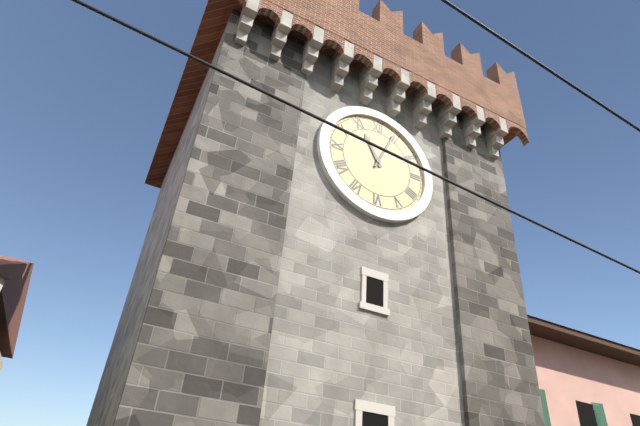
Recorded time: **11:04**
